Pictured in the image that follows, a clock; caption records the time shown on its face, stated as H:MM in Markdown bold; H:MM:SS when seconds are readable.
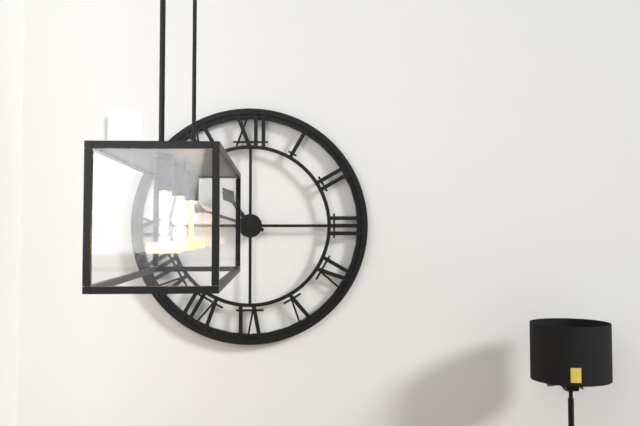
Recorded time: **10:48**
